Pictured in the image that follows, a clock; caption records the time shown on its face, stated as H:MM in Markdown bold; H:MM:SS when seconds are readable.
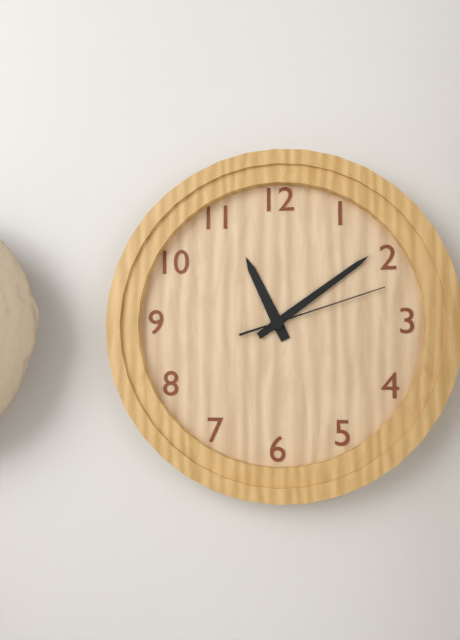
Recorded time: **11:09:12**
